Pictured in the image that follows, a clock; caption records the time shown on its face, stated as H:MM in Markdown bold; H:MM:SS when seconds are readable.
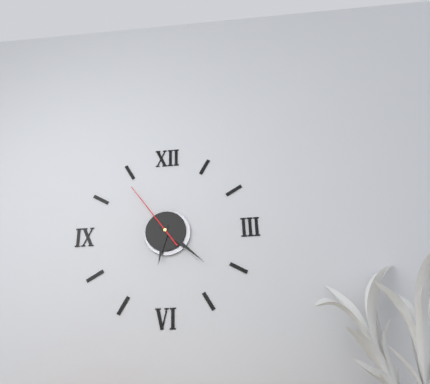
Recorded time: **6:22:54**
